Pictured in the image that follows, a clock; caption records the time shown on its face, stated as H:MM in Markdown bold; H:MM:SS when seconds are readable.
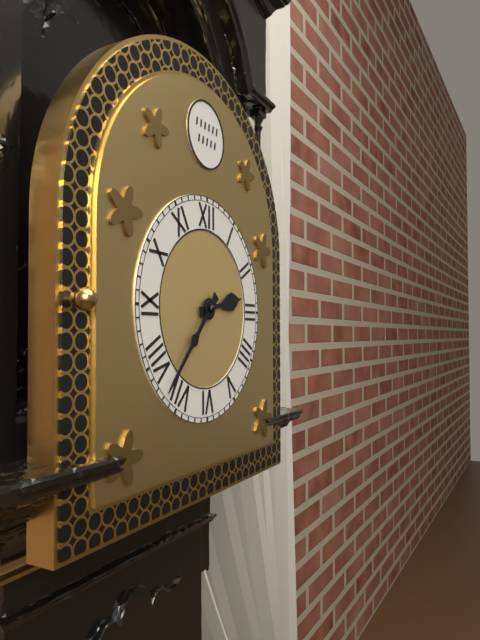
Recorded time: **2:37**
